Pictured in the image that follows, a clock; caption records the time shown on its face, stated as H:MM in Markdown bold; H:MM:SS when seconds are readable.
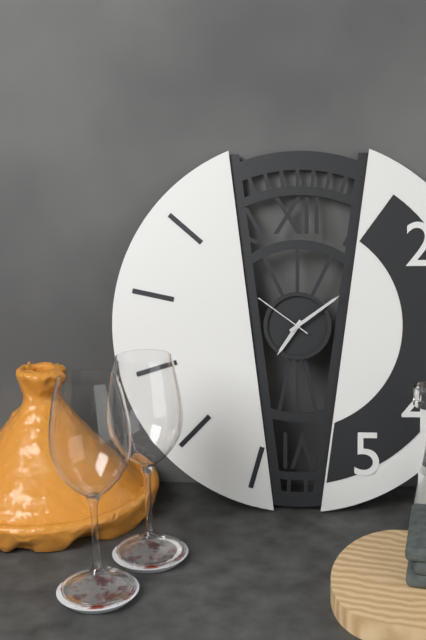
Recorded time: **7:09:51**
